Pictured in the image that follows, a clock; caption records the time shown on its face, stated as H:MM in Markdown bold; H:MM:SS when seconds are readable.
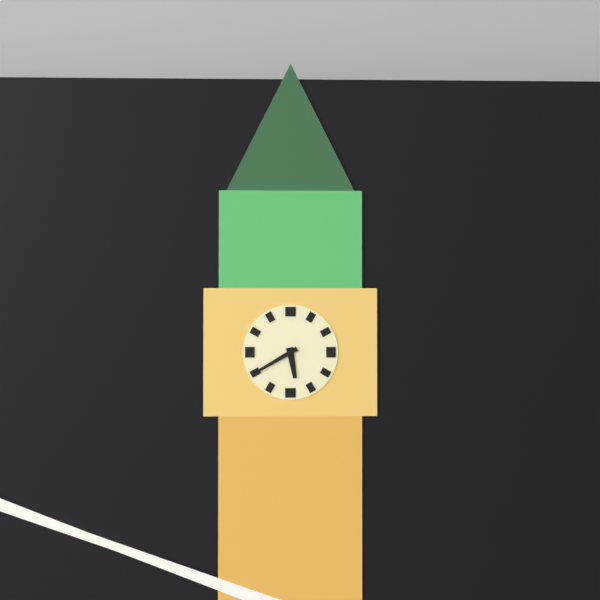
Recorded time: **5:40**
